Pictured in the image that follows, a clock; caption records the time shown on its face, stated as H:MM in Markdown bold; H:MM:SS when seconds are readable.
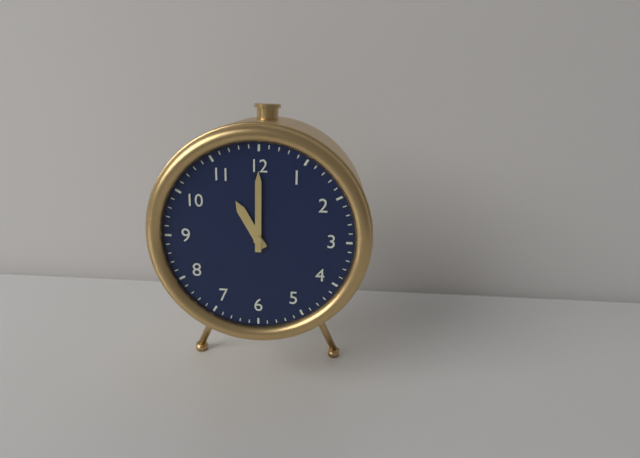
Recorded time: **11:00**
